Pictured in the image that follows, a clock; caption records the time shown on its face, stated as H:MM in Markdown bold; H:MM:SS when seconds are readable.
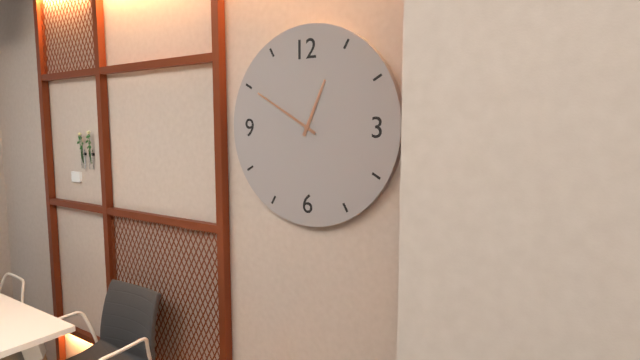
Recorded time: **12:50**
